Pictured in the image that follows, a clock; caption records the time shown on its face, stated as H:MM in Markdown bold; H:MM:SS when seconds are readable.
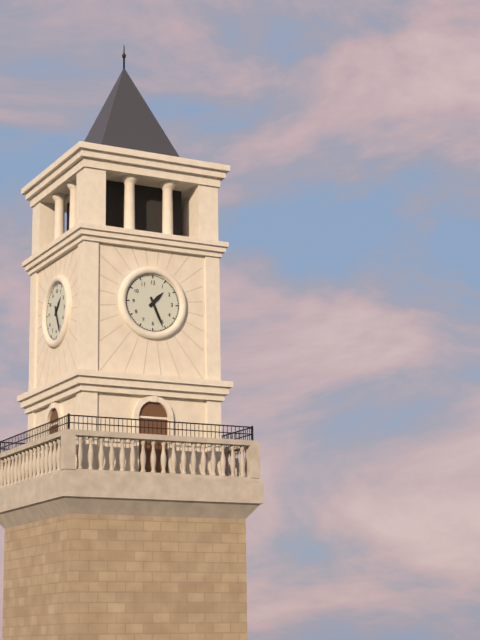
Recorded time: **1:26**
